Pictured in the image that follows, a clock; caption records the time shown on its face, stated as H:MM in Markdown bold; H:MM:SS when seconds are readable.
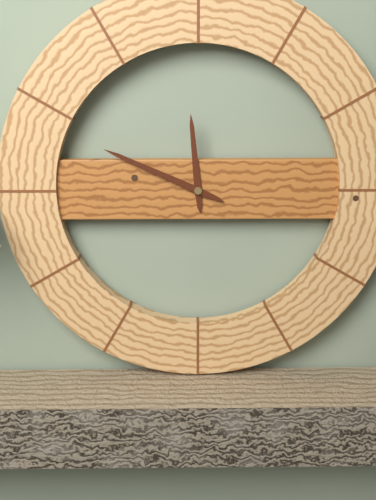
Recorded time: **11:49**
